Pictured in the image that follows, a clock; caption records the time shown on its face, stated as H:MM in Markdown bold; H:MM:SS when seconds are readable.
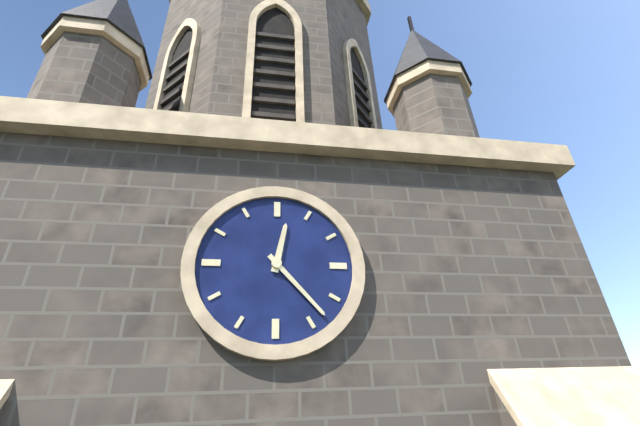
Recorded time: **12:23**
